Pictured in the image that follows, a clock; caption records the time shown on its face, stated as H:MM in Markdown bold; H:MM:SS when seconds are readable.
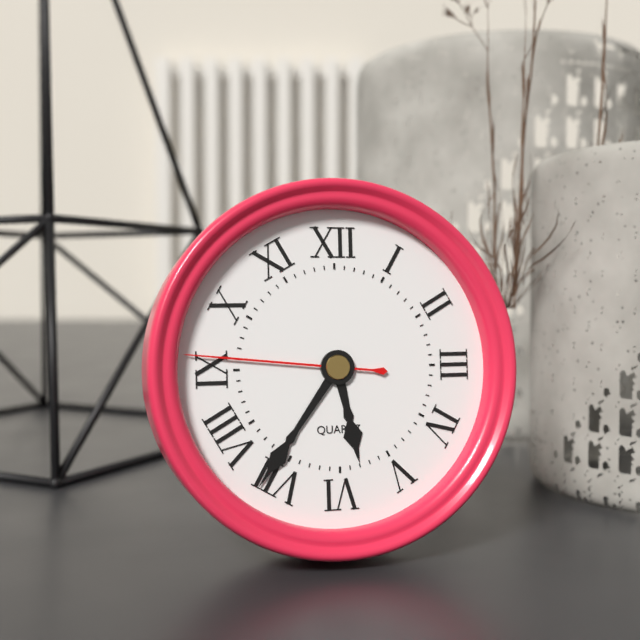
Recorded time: **5:36:46**
